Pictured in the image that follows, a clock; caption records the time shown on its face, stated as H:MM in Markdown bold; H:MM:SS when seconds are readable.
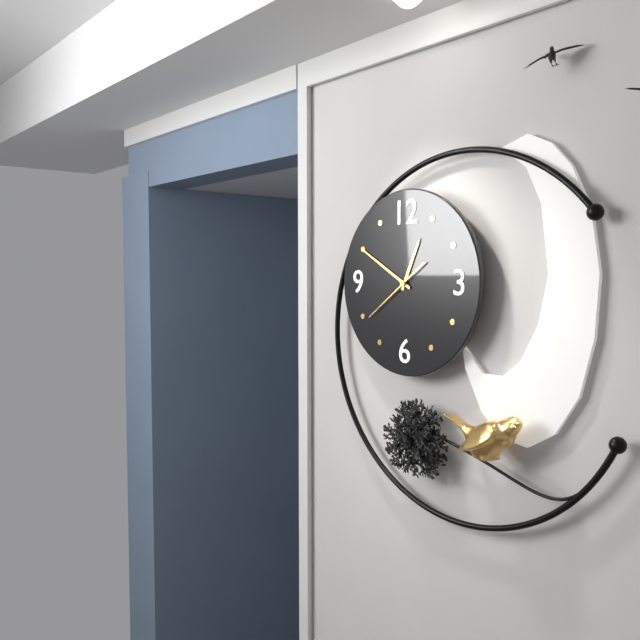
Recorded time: **12:50:39**
